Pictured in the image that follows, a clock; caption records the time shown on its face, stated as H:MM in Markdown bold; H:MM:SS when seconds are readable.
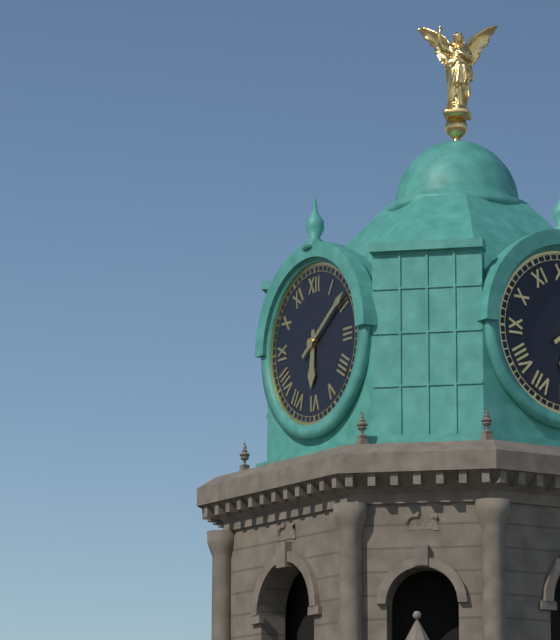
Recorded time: **6:09**
